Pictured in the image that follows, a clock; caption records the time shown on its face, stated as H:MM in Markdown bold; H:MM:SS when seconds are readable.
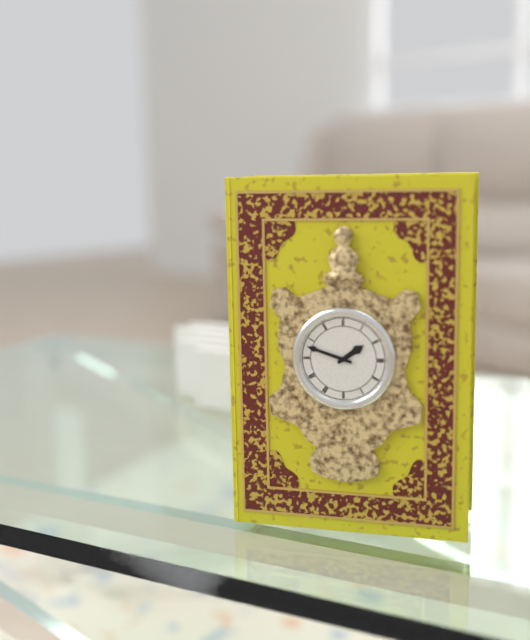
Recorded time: **1:48**
